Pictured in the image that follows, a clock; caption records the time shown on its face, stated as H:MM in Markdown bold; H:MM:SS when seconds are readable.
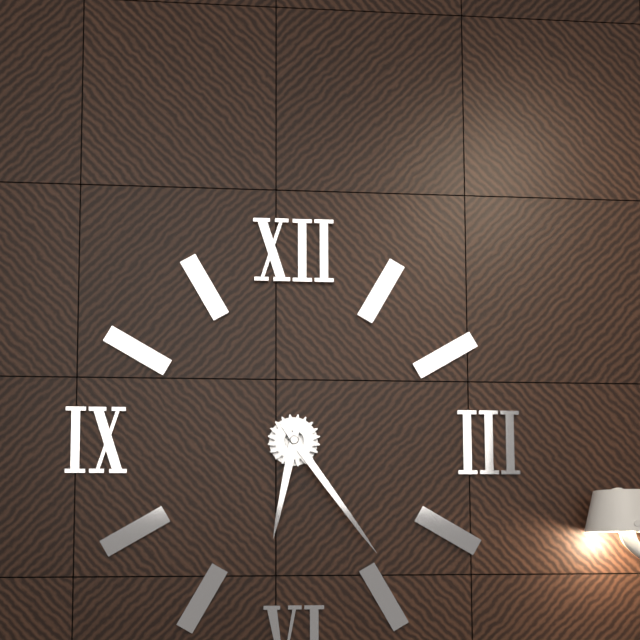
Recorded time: **6:24**
